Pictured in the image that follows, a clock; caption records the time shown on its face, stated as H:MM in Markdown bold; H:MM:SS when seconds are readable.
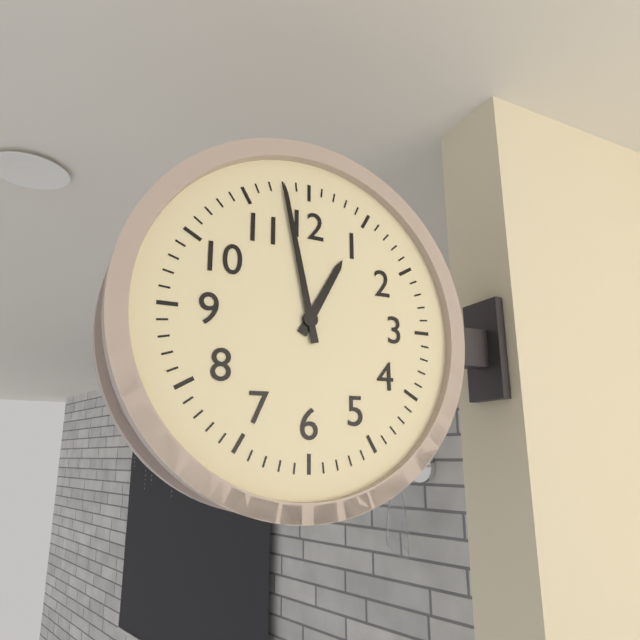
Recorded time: **12:58**
